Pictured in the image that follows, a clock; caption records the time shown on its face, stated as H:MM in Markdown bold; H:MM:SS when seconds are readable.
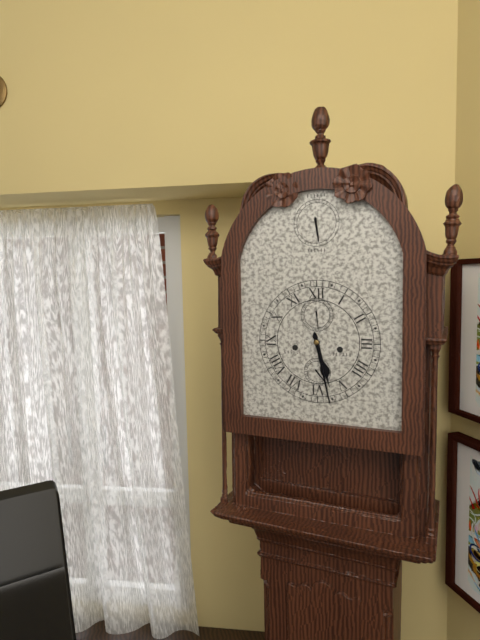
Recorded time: **5:28**
